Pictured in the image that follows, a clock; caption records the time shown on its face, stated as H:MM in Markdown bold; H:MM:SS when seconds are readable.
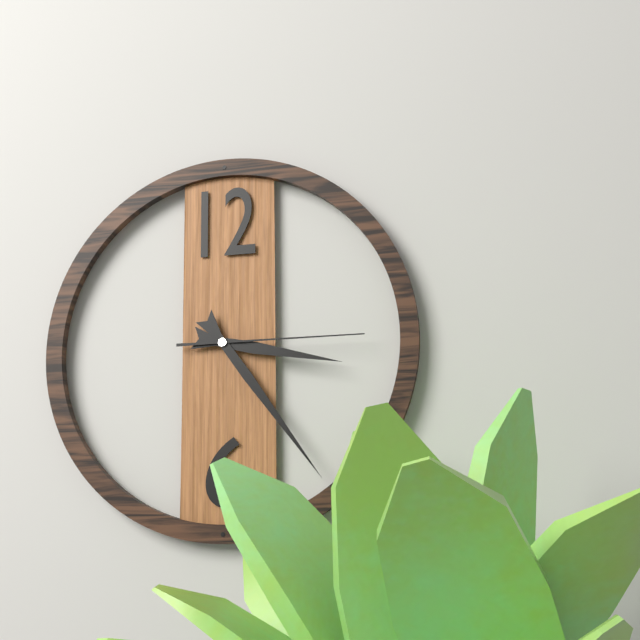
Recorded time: **3:24:15**
